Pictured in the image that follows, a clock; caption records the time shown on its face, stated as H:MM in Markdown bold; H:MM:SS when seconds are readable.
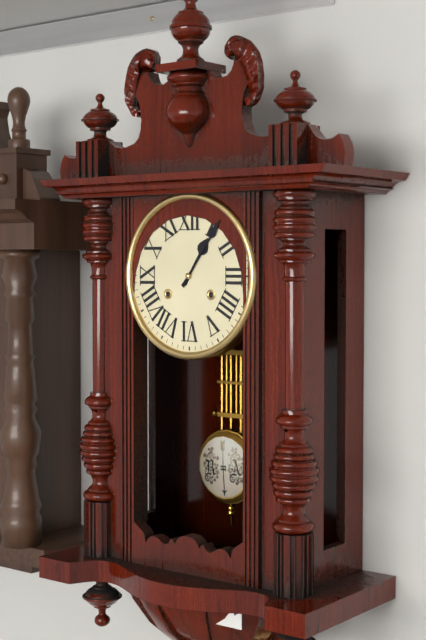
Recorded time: **1:06**
